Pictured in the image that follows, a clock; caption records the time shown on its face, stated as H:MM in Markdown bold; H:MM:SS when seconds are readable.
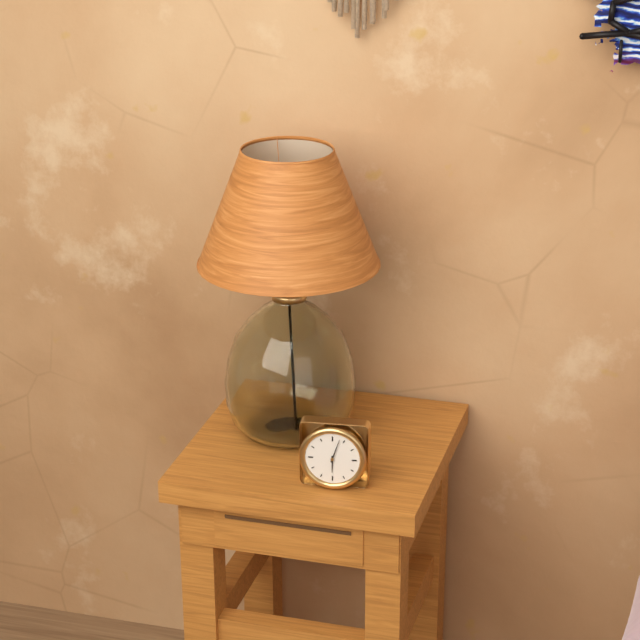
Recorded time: **6:03**
